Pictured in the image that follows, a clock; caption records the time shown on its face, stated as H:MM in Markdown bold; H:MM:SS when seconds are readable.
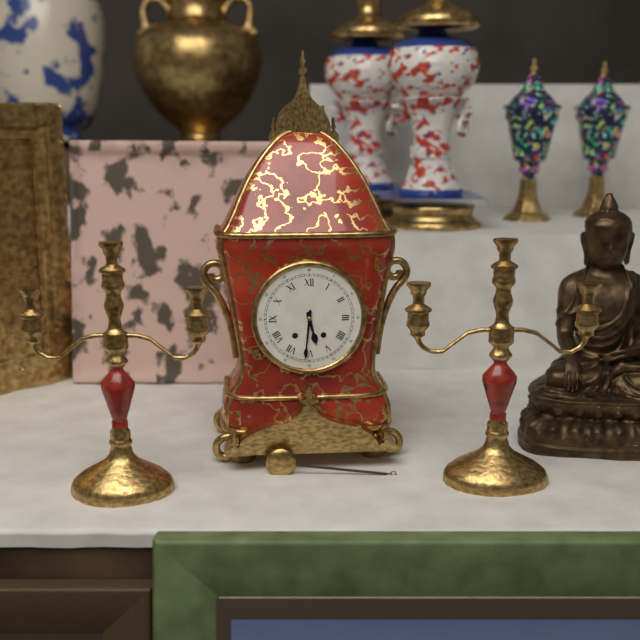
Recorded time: **5:31**
